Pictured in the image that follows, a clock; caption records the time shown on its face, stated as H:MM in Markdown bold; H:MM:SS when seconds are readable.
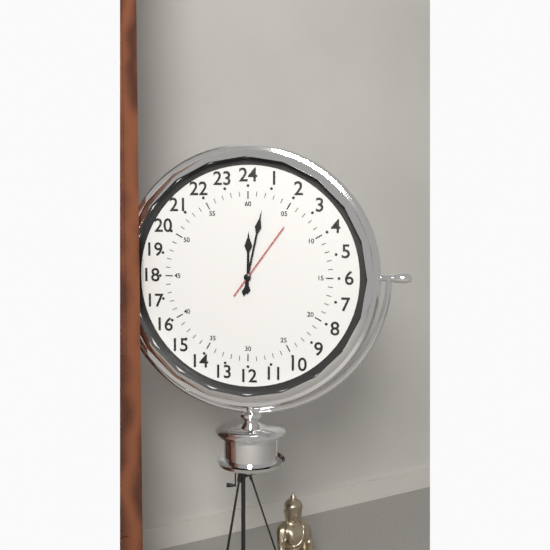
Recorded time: **12:02:06**
